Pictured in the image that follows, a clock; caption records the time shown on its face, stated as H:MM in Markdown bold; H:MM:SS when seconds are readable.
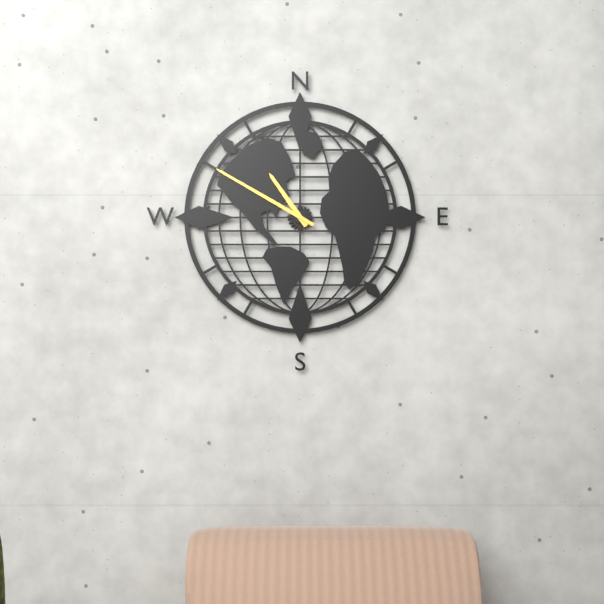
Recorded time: **10:50**
